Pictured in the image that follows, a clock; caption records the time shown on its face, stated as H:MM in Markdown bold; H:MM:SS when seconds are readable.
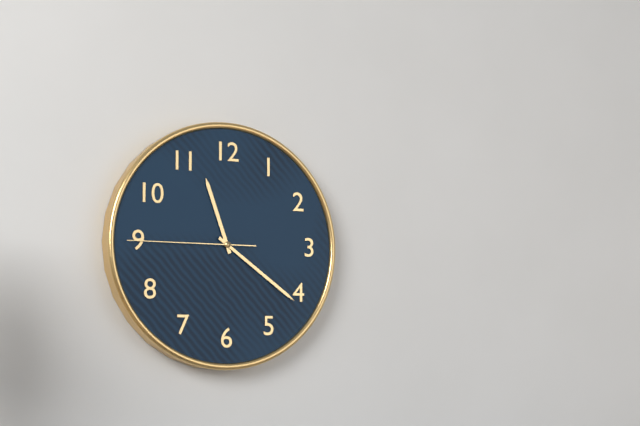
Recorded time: **11:21:45**
